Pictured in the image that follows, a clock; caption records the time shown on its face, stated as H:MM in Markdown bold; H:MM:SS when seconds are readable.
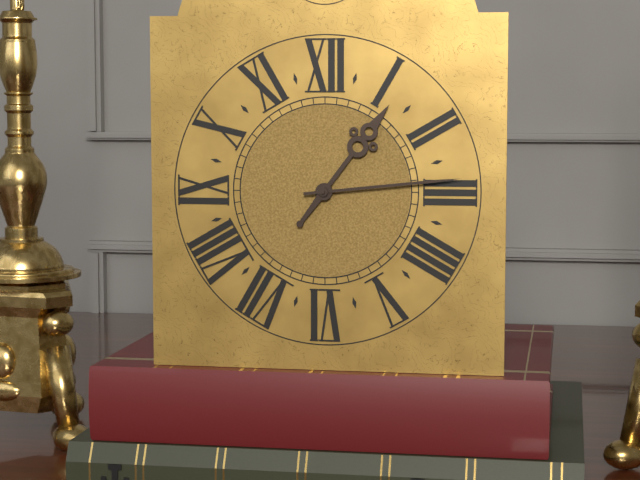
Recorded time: **1:14**
